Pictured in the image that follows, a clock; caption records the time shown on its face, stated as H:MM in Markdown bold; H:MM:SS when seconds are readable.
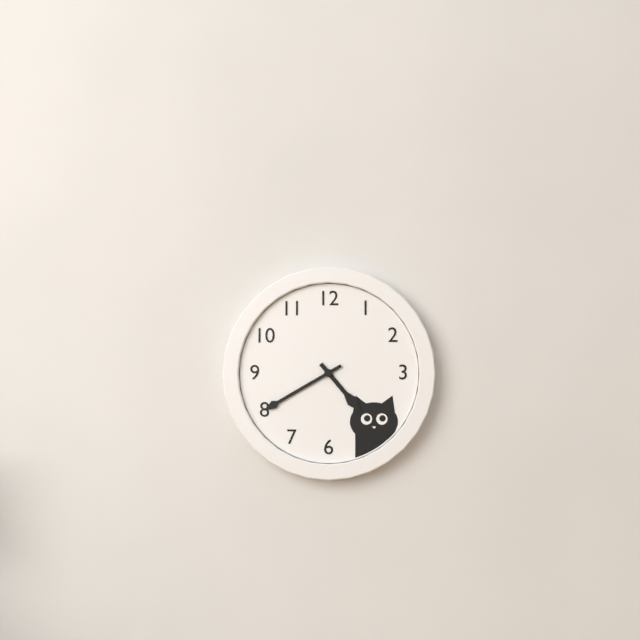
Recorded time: **4:40**
